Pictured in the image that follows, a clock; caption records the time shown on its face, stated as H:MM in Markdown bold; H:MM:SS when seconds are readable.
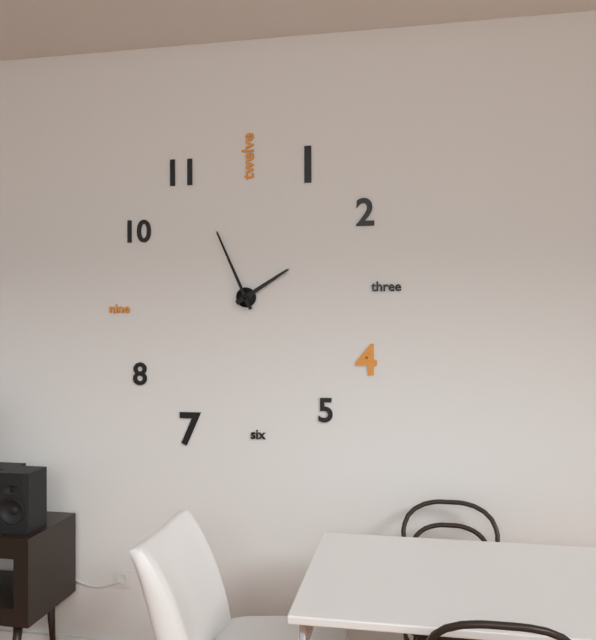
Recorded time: **1:56**
